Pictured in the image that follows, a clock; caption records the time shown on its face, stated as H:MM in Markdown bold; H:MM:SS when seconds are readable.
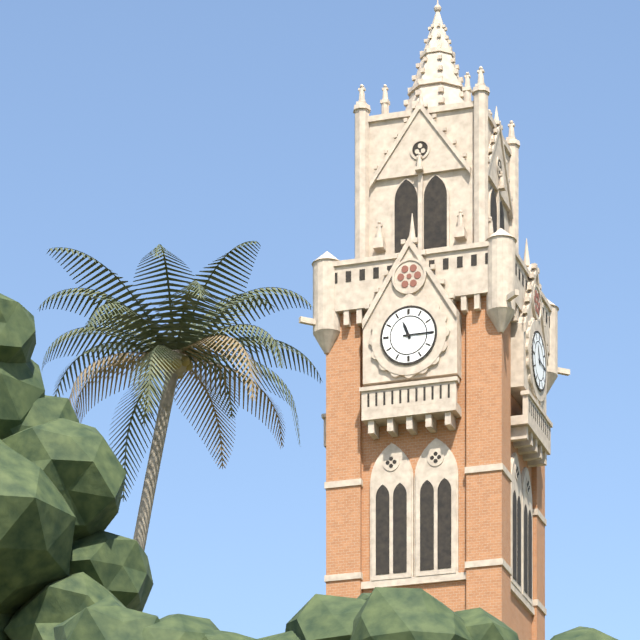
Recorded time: **11:15**
